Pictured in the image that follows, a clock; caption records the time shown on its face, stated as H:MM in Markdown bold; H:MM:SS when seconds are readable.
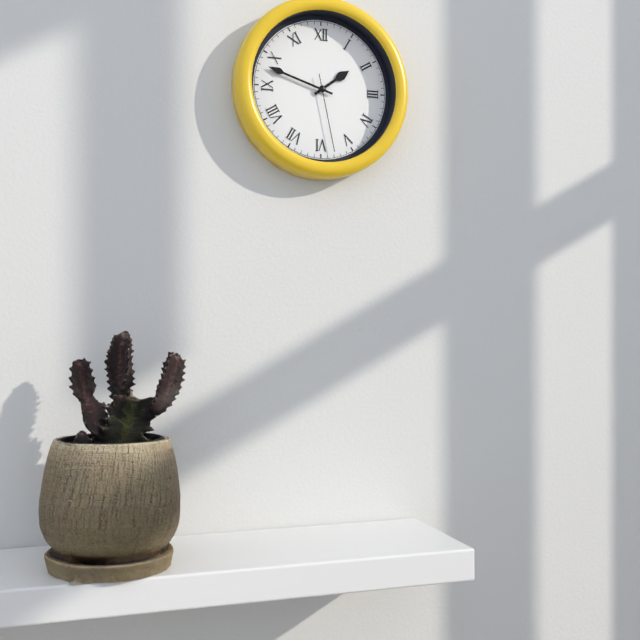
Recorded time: **1:48:28**
